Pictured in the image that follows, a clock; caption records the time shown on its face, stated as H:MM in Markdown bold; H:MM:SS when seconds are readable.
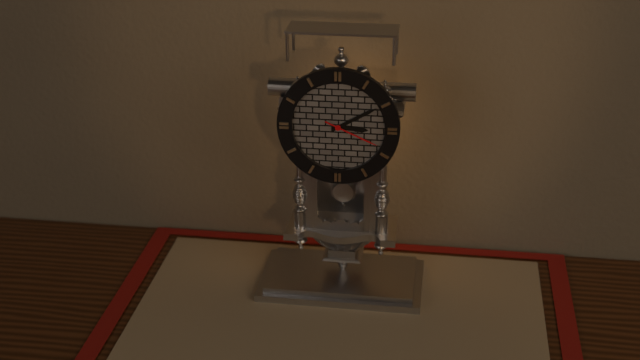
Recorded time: **3:10:19**
